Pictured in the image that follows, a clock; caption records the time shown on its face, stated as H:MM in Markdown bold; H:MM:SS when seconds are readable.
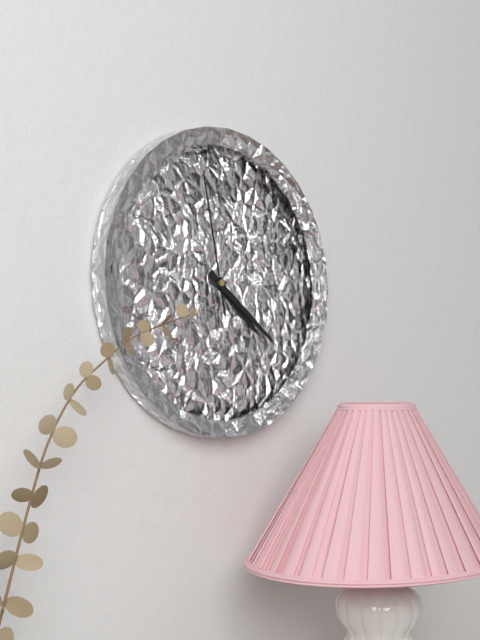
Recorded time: **4:21:58**
